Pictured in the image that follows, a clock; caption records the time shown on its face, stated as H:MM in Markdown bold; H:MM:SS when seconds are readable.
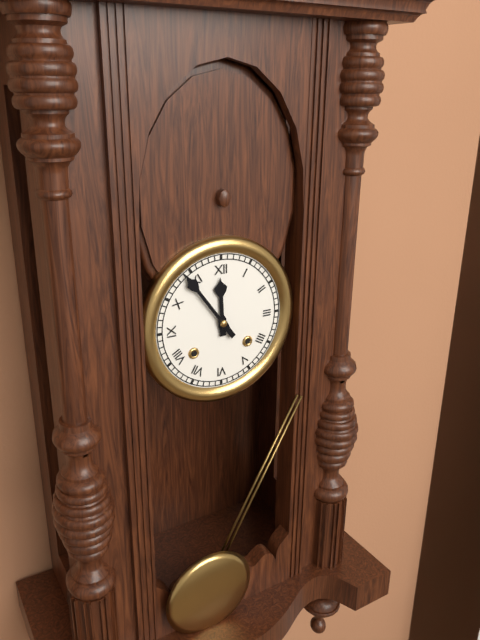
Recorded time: **11:54**
